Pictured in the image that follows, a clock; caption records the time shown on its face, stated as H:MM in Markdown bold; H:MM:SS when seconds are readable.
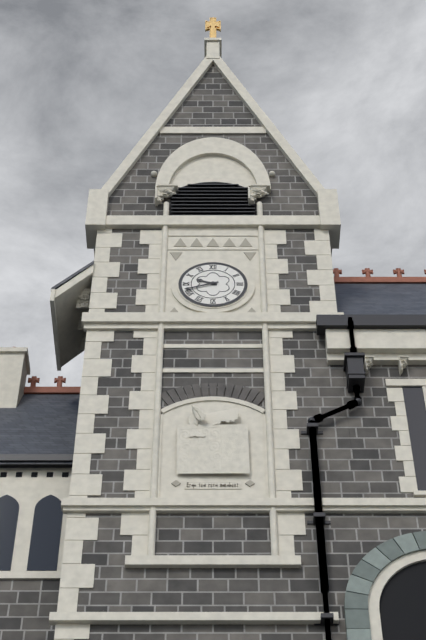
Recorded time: **9:42**
